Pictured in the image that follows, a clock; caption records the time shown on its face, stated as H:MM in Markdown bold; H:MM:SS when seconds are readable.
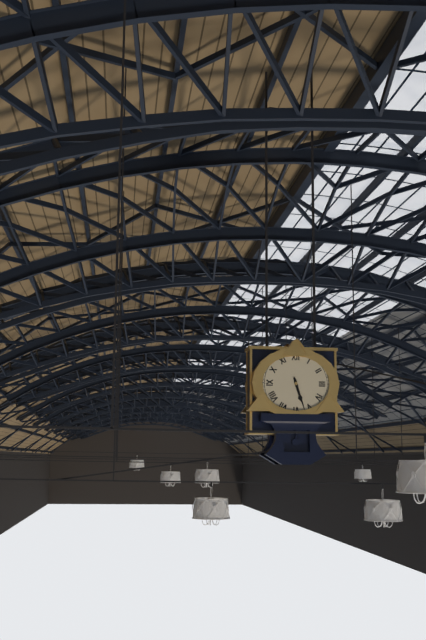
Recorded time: **5:27**
